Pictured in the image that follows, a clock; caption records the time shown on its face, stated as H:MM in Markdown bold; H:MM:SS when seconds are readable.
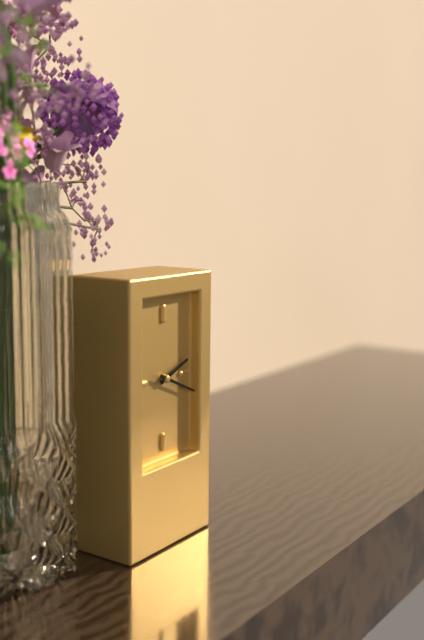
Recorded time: **2:19**
